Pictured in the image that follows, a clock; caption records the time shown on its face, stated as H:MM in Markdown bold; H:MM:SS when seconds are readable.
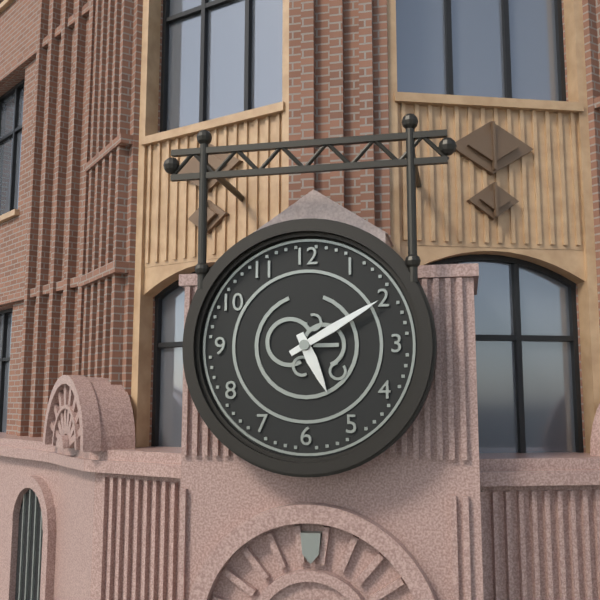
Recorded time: **5:10**
